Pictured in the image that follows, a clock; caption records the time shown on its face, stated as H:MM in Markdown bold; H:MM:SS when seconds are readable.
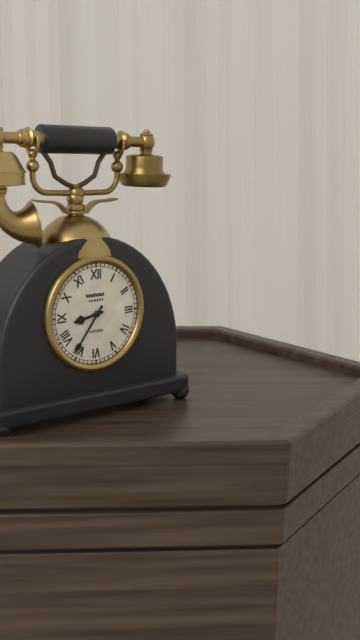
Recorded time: **8:36**
